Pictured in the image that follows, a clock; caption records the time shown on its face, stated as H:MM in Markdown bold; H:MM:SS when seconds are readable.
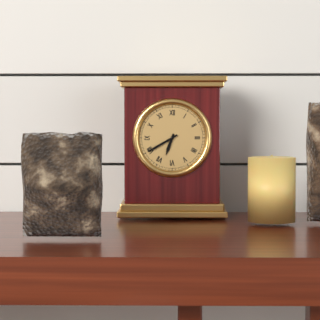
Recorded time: **6:40**
